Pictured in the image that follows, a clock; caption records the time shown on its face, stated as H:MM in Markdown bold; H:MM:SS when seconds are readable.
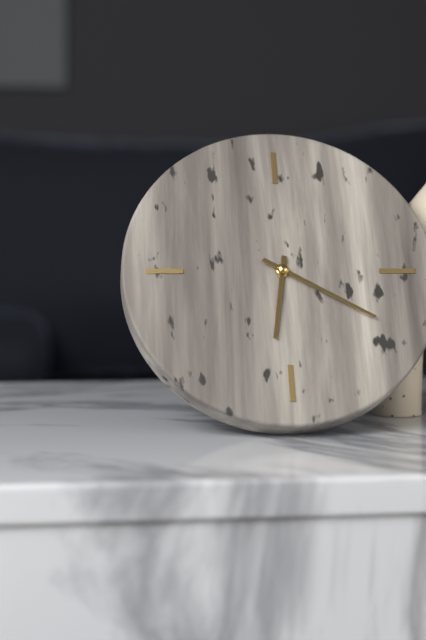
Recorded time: **6:20**
